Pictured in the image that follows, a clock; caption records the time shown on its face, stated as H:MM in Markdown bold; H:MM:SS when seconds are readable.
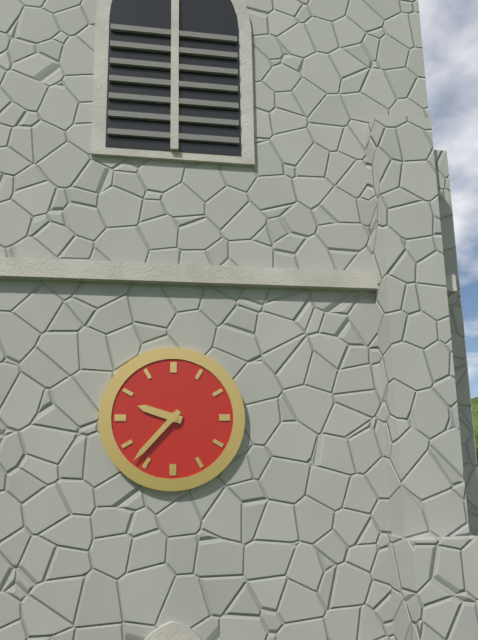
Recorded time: **9:37**
